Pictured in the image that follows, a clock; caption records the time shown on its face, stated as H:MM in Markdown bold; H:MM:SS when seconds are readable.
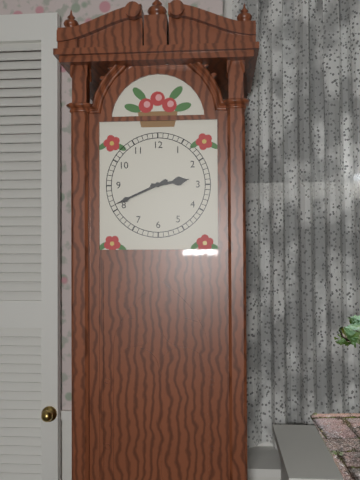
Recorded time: **2:41**
